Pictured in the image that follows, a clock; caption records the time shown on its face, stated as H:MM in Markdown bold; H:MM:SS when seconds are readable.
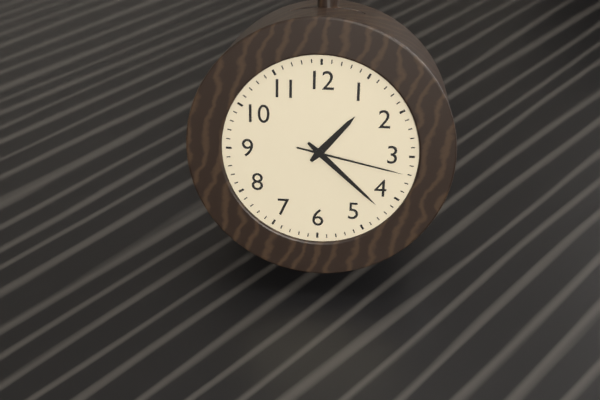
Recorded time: **1:22:17**
